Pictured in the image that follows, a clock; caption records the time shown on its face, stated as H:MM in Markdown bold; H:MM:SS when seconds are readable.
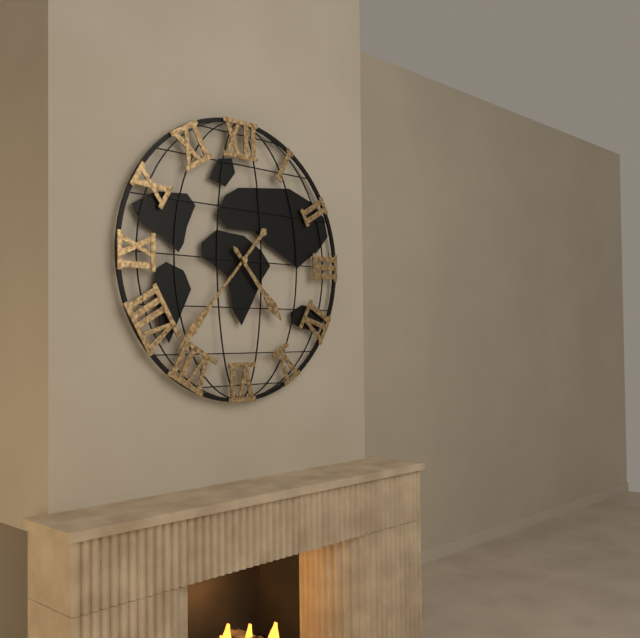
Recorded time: **4:37**
